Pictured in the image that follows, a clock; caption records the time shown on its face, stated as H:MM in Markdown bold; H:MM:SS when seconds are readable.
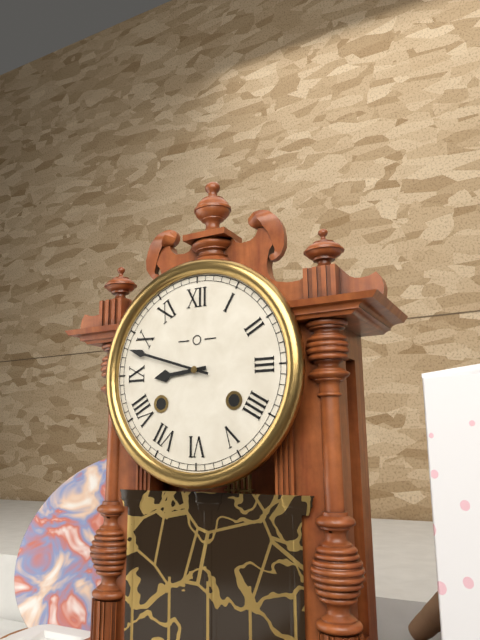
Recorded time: **8:48**
